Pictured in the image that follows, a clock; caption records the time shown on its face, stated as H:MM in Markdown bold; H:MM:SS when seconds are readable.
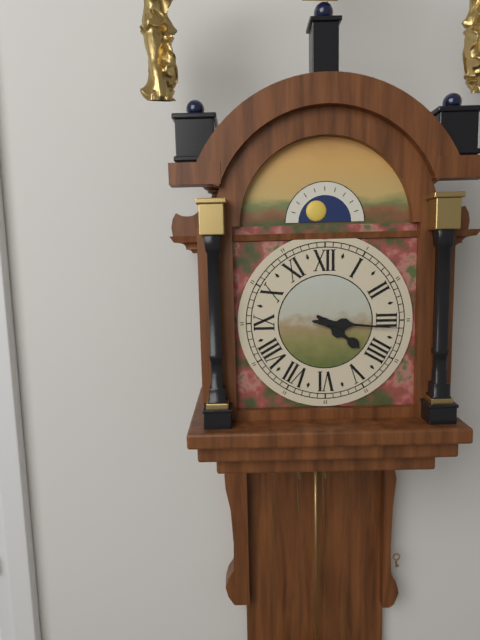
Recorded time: **4:16**
